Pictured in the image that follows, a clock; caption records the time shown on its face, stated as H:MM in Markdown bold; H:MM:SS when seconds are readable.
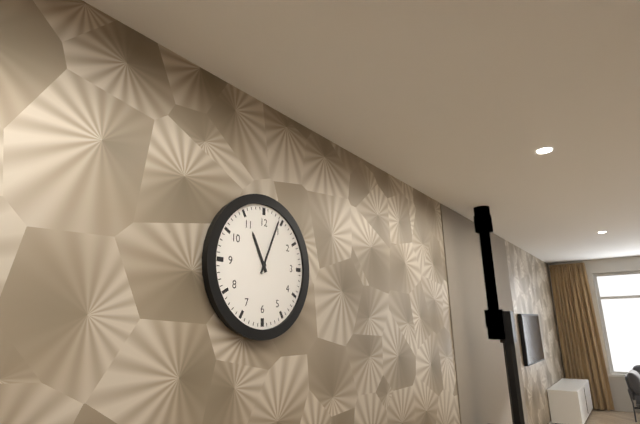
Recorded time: **11:04**
